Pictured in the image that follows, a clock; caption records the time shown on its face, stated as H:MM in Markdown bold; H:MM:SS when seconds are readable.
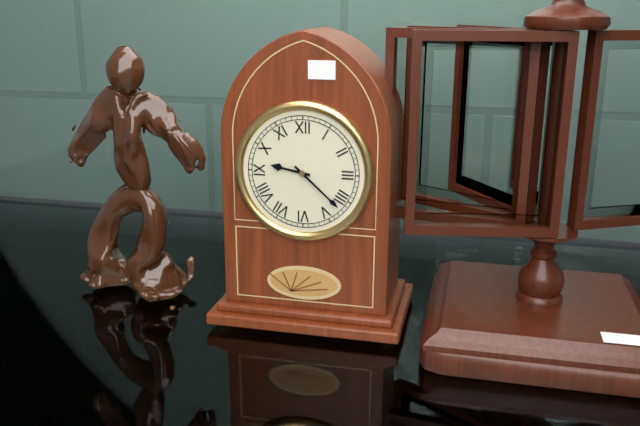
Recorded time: **9:22**
